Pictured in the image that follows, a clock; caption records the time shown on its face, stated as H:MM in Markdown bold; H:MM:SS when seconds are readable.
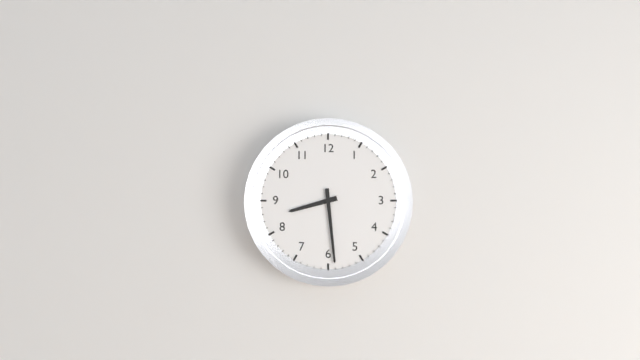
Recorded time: **8:29**
